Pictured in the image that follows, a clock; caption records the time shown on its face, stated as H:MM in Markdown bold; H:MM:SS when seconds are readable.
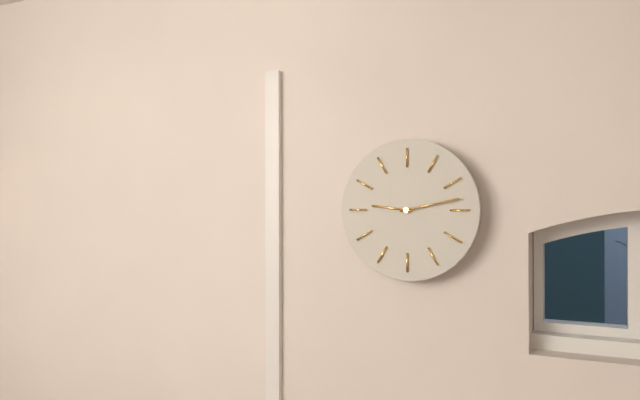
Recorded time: **9:13**
